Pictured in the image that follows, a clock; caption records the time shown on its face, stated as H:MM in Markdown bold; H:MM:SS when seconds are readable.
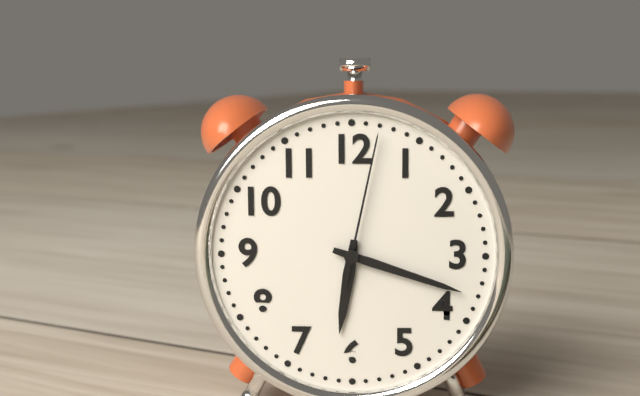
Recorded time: **6:18:02**
